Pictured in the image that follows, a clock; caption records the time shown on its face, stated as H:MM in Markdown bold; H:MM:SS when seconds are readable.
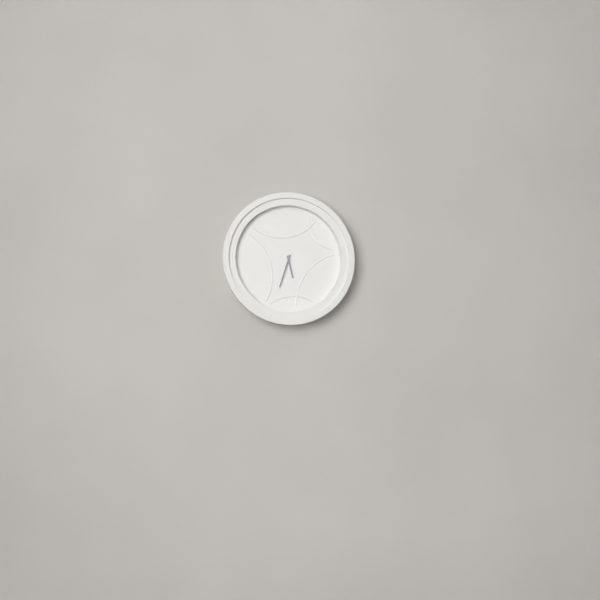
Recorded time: **5:33**
